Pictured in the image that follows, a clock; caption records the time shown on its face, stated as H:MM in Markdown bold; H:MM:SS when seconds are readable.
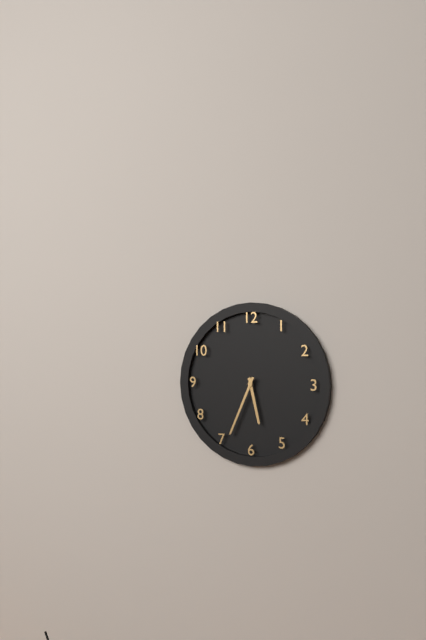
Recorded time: **5:34**
